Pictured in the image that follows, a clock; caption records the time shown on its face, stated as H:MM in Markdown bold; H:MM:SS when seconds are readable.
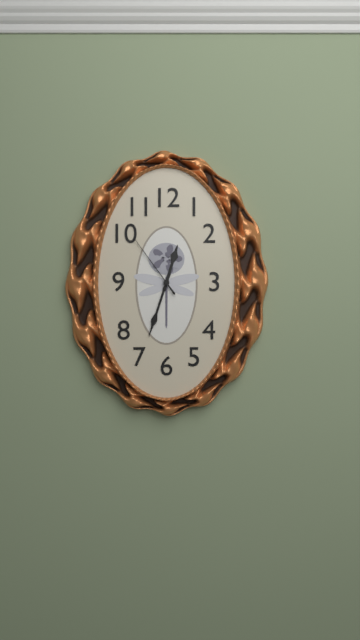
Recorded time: **12:33:54**
